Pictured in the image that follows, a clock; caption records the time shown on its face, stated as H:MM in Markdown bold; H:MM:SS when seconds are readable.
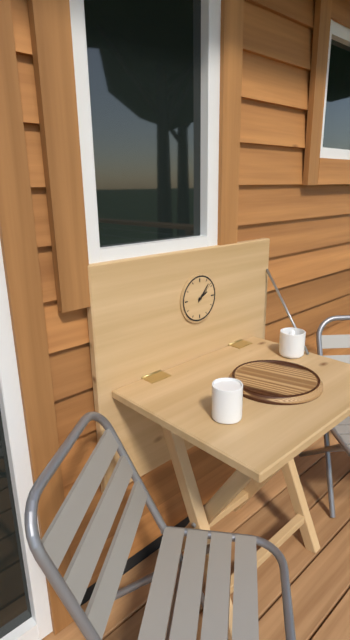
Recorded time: **2:07**
